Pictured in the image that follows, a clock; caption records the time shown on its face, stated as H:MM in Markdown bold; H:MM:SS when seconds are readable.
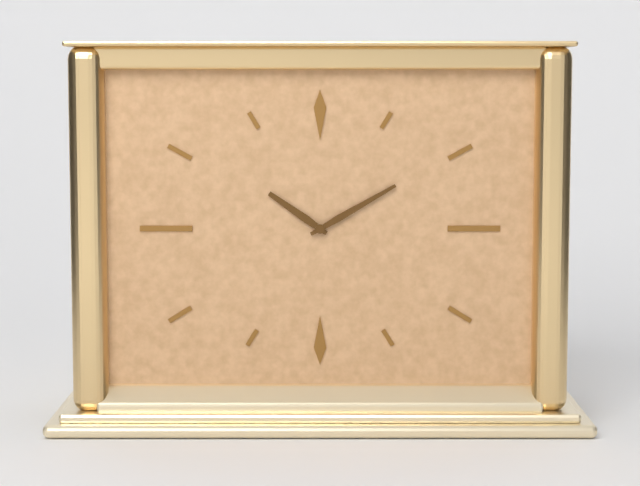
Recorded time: **10:10**
